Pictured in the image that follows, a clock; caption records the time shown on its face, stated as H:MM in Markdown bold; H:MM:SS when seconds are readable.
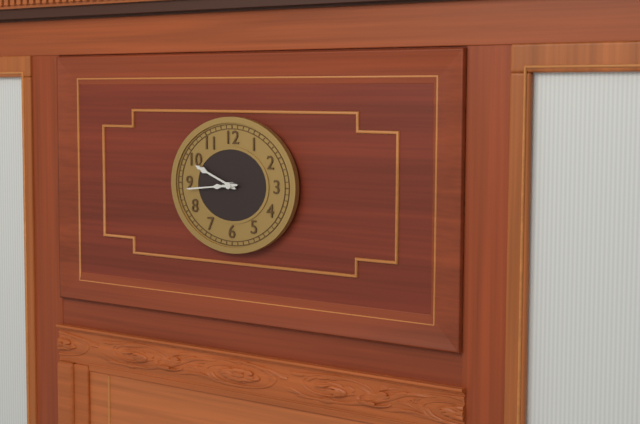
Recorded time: **9:44**
